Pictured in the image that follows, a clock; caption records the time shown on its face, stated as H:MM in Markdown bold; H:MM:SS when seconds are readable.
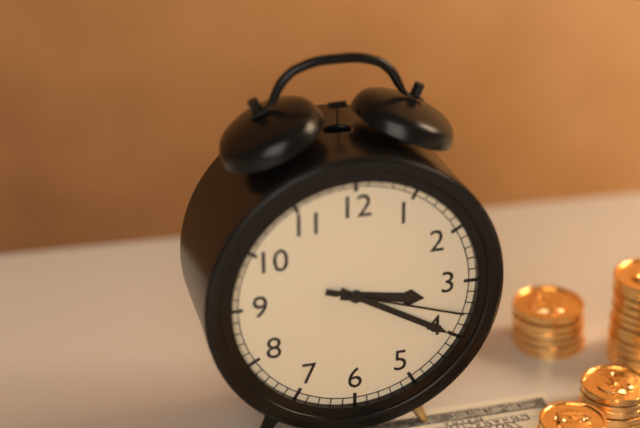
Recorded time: **3:20:18**
